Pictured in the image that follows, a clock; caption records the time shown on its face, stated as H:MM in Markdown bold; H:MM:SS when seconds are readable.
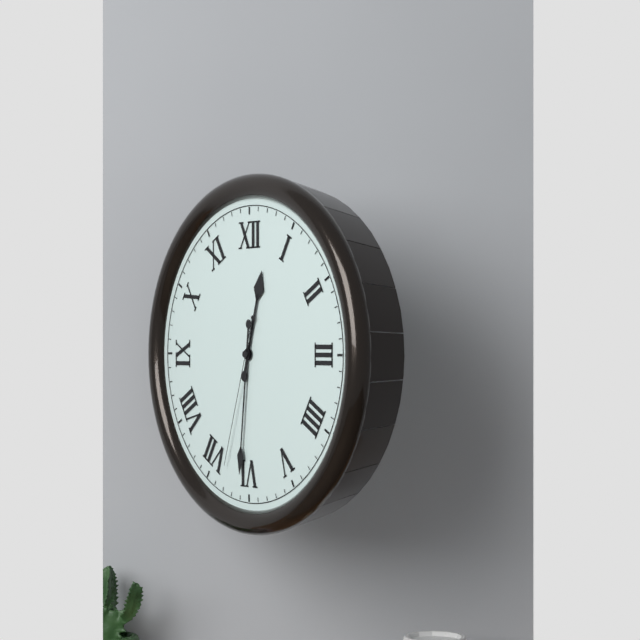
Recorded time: **12:31:33**
